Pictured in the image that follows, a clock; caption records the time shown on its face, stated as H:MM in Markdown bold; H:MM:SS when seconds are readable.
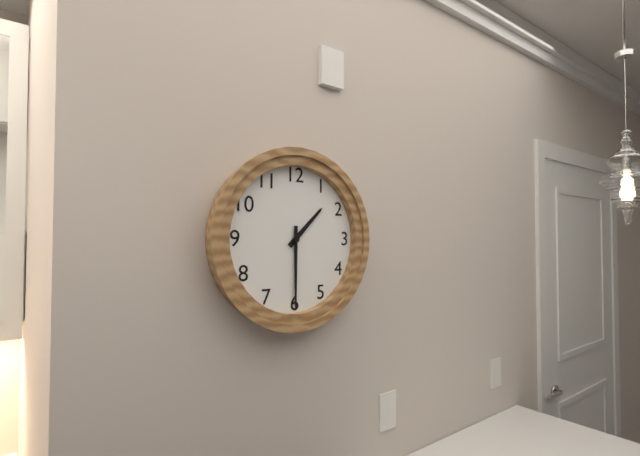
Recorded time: **1:30**
